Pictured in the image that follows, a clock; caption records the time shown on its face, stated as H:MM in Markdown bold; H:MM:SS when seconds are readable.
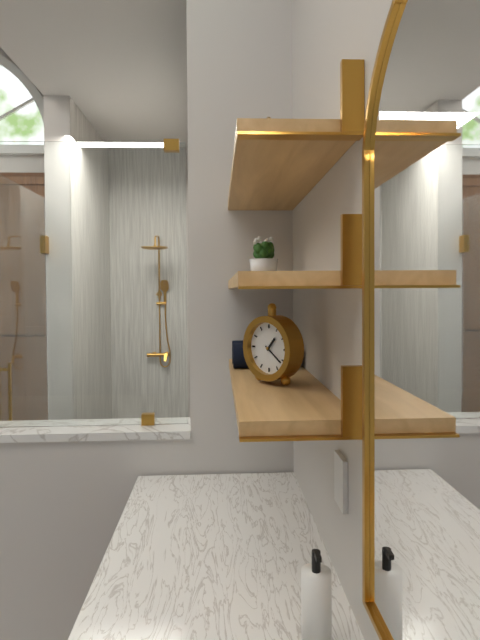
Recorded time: **1:21**
